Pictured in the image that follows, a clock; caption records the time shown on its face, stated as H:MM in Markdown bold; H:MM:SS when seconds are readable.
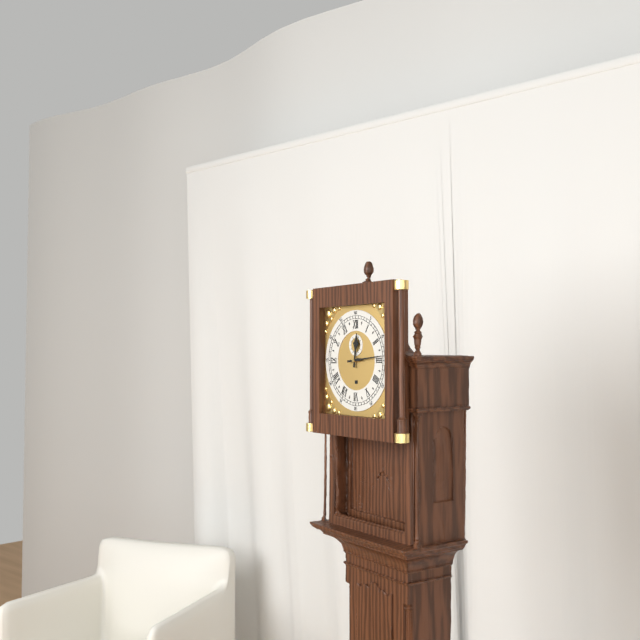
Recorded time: **12:14**
